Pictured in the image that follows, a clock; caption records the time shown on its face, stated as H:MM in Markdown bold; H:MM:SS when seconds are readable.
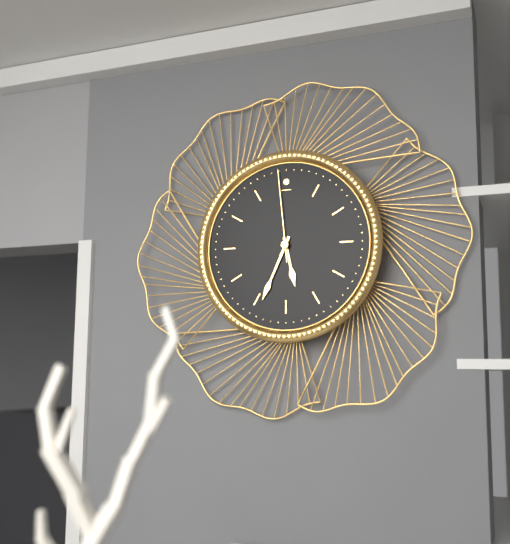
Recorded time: **5:34:59**
